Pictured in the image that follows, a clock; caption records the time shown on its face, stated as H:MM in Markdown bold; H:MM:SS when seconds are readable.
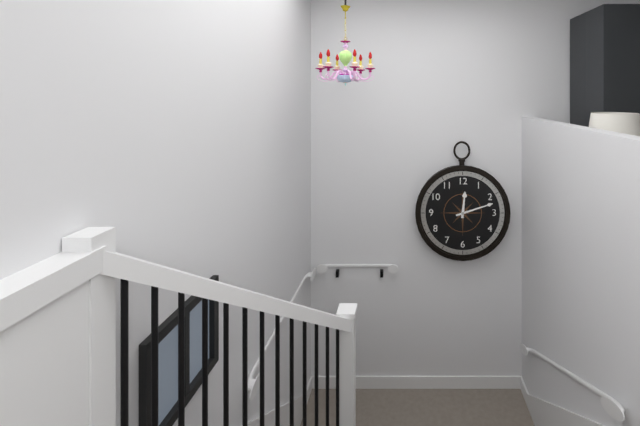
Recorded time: **12:12**
